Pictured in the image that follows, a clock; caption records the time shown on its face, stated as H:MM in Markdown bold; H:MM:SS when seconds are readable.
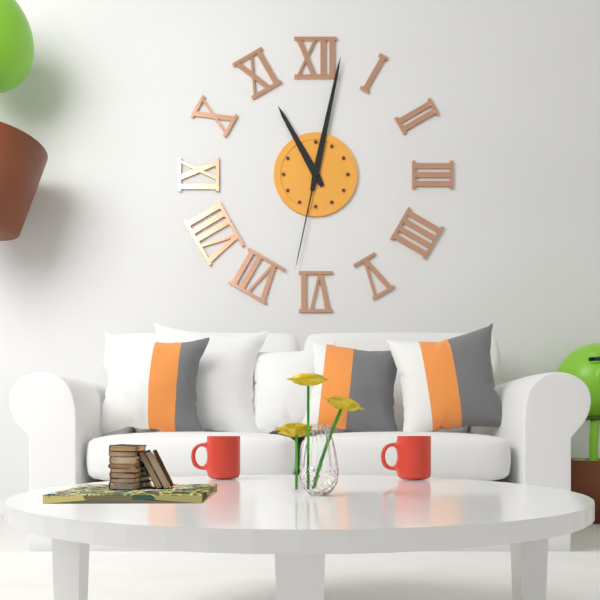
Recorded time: **11:02:32**
